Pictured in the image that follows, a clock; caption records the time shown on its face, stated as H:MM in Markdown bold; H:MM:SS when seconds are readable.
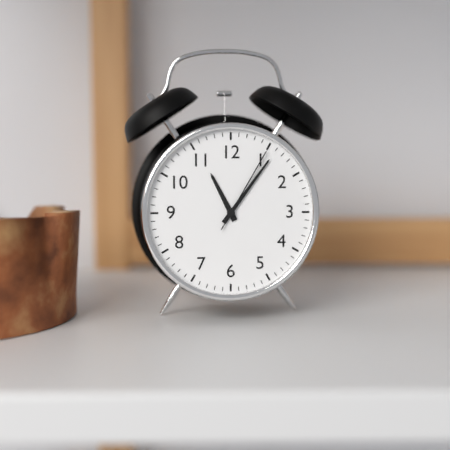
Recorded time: **11:06:05**
